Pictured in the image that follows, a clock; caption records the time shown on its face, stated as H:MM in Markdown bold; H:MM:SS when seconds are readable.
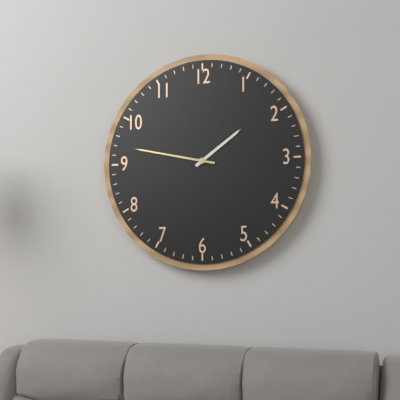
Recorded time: **1:47**
